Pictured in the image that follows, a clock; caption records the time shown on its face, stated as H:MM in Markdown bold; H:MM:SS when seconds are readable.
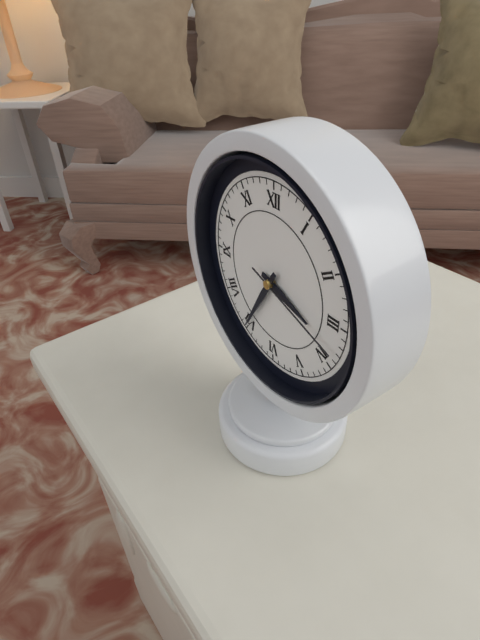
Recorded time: **3:35:18**
